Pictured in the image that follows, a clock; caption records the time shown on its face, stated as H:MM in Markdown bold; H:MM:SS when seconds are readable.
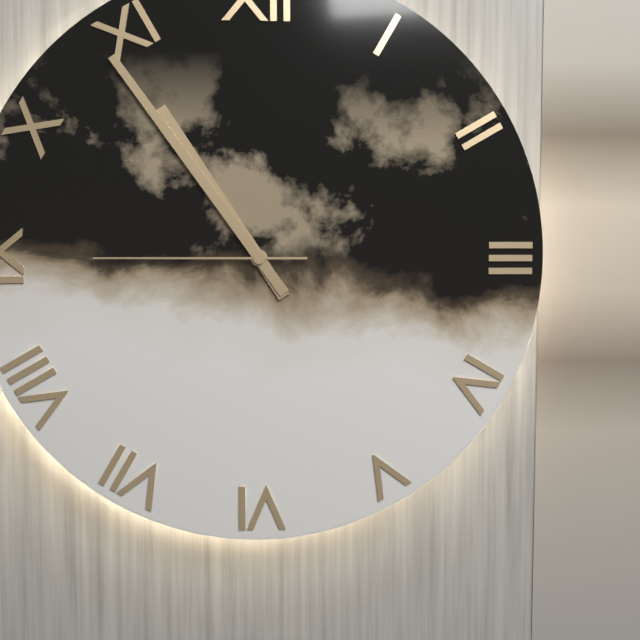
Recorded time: **10:54:45**
